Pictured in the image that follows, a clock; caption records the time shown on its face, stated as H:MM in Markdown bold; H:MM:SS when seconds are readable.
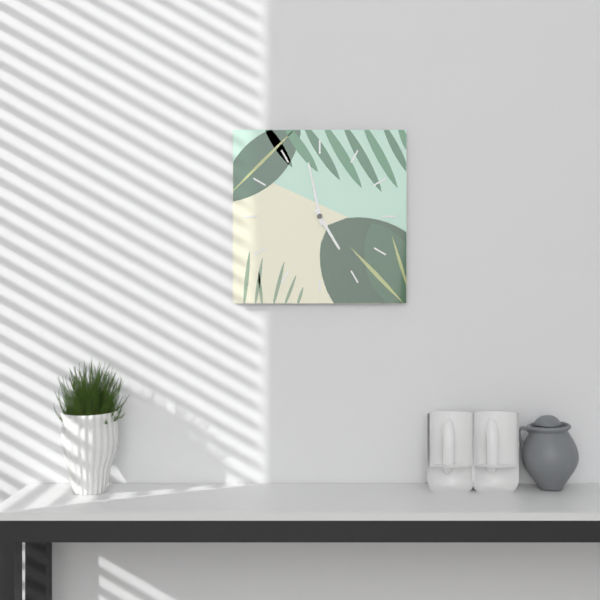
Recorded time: **4:58**
